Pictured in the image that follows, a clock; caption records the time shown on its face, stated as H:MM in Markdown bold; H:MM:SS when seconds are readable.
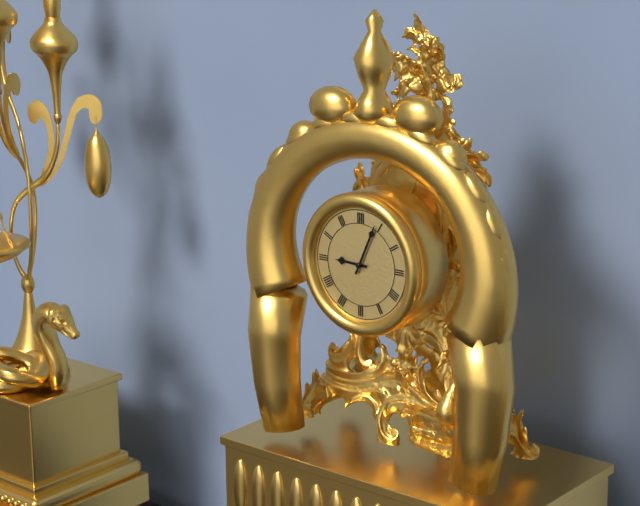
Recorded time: **9:04**
